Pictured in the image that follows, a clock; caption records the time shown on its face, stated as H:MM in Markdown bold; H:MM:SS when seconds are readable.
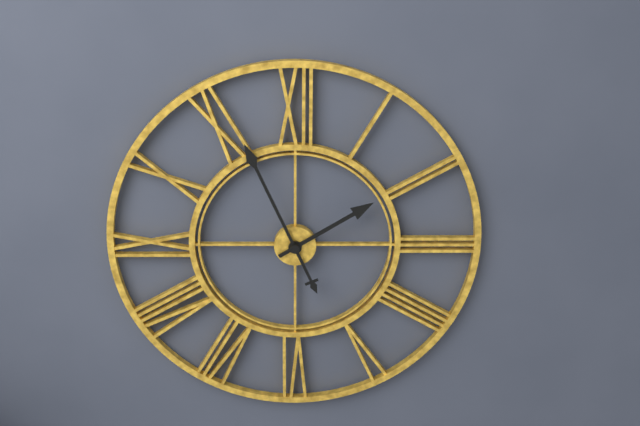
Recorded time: **1:56**
